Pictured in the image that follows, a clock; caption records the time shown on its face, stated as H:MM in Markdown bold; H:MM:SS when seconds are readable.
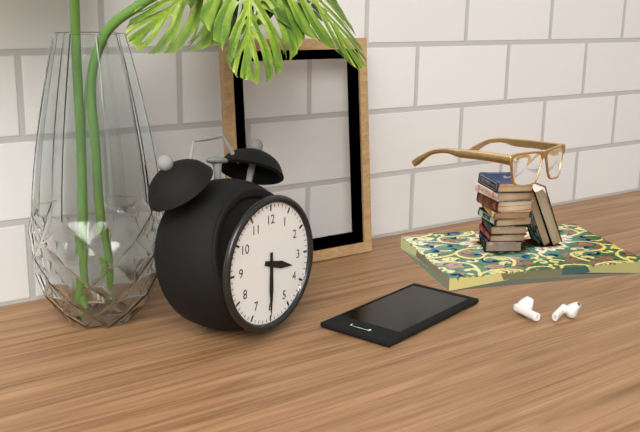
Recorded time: **3:30**
